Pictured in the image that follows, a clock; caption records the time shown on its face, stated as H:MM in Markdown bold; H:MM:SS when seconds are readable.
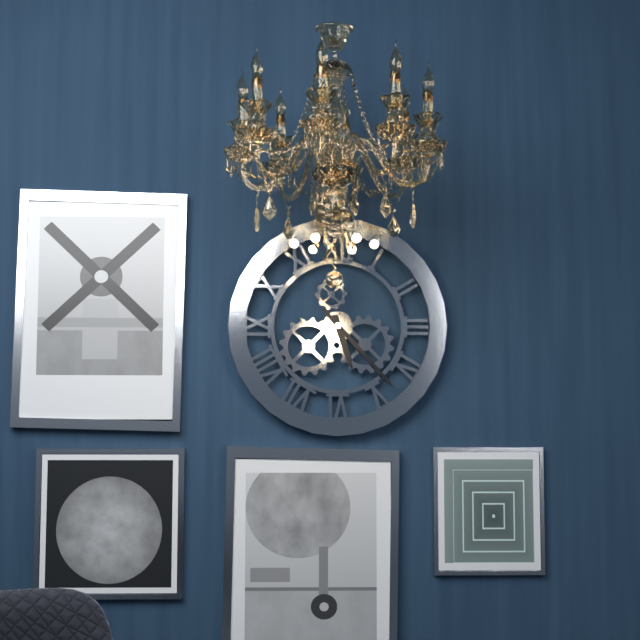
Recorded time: **5:23**
